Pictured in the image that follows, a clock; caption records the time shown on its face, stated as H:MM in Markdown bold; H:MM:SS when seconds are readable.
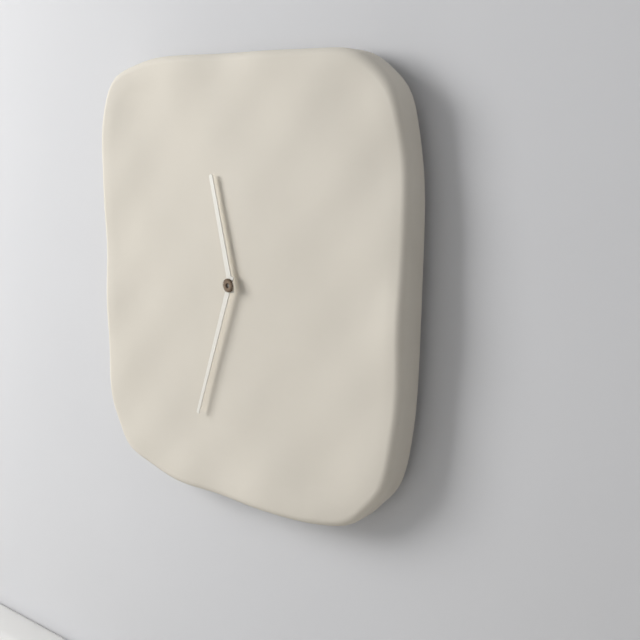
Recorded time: **11:33**
